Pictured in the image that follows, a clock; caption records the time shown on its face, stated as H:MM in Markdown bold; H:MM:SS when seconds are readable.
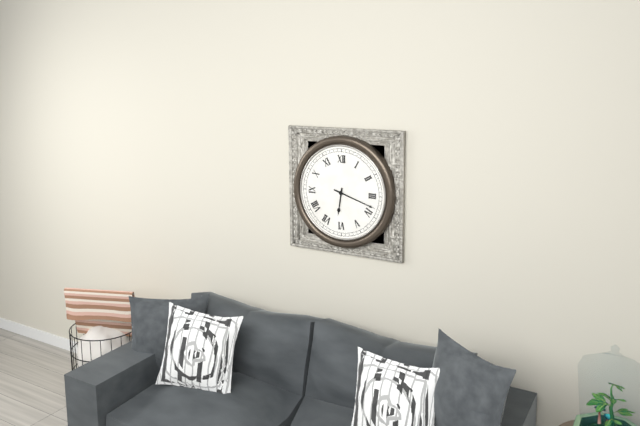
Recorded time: **6:18**
